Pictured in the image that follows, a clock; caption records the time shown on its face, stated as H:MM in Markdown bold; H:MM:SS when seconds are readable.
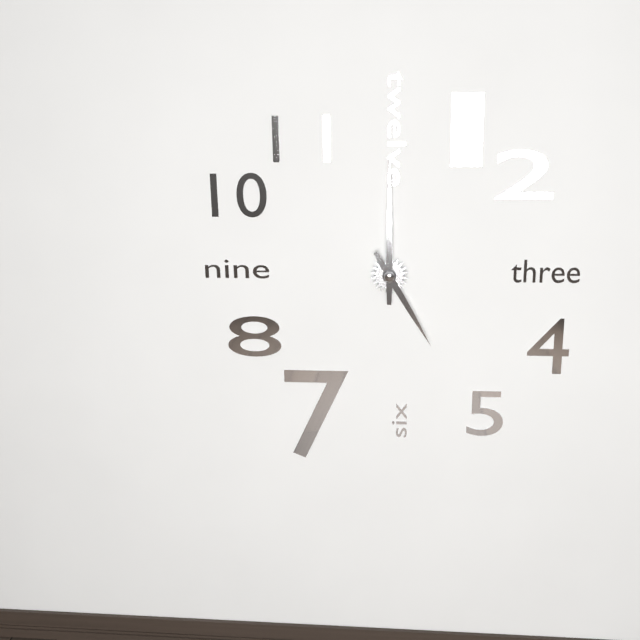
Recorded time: **5:00**
